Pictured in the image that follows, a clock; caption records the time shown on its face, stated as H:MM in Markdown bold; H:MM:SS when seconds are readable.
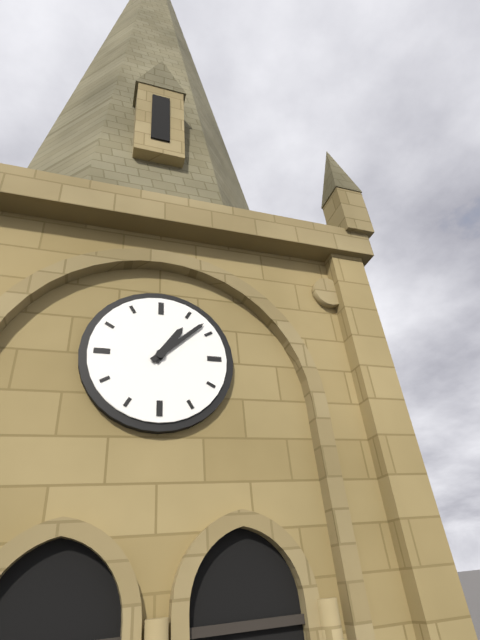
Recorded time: **1:08**
